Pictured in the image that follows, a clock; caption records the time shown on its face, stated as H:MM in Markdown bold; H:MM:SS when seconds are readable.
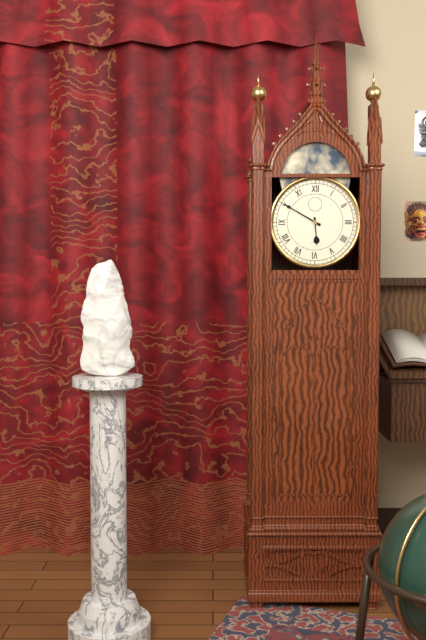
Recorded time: **5:50**
